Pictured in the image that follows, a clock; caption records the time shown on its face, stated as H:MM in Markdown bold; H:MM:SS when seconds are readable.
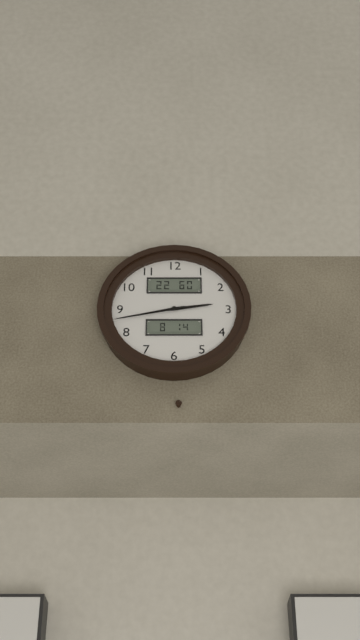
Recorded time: **2:43**
